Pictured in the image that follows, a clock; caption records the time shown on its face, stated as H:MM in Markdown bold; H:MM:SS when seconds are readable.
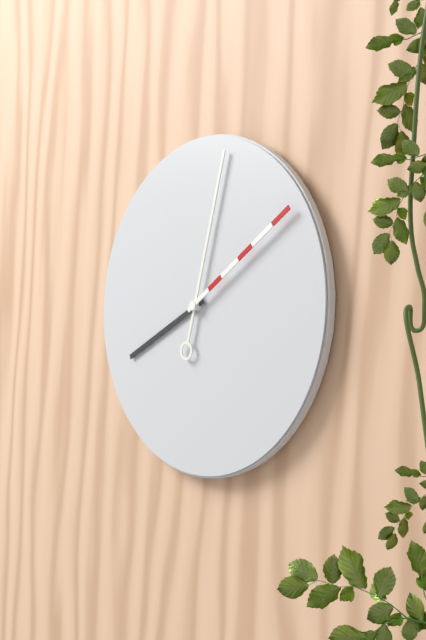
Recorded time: **8:02:09**
